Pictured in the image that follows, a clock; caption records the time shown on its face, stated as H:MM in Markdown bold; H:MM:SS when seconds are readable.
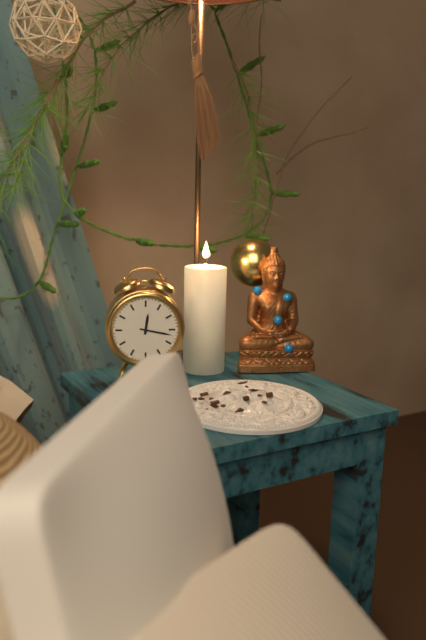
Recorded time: **12:17**
